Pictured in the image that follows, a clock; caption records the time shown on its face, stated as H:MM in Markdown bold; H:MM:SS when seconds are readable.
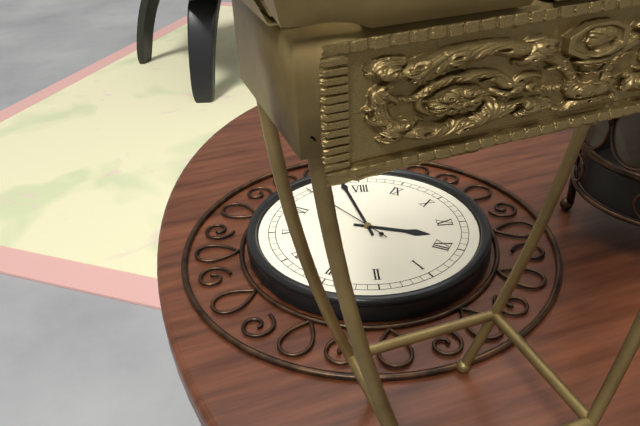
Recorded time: **11:38**
